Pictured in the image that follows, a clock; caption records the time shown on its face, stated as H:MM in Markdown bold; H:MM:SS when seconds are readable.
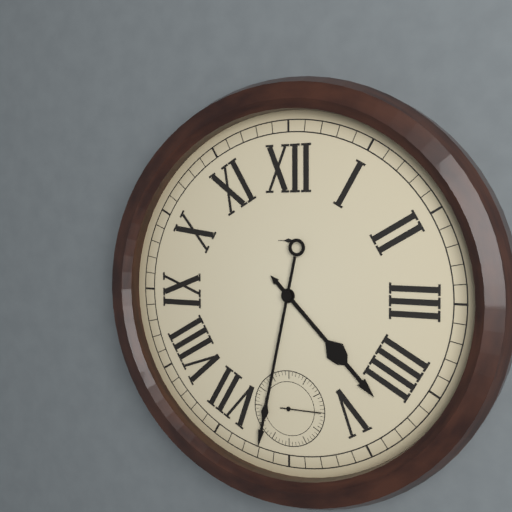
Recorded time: **4:32**
